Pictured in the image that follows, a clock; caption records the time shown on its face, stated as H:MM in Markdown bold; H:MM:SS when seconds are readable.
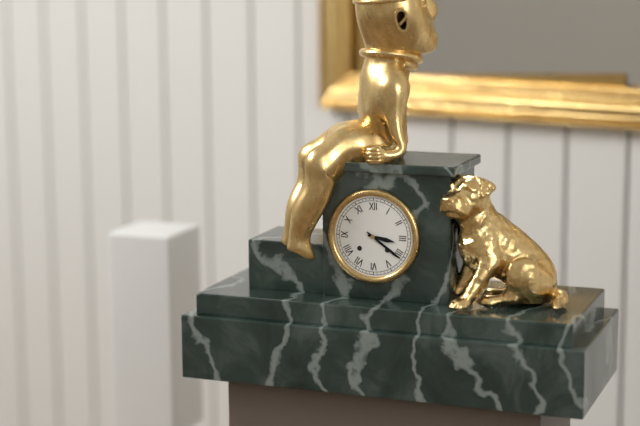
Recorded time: **3:21**
